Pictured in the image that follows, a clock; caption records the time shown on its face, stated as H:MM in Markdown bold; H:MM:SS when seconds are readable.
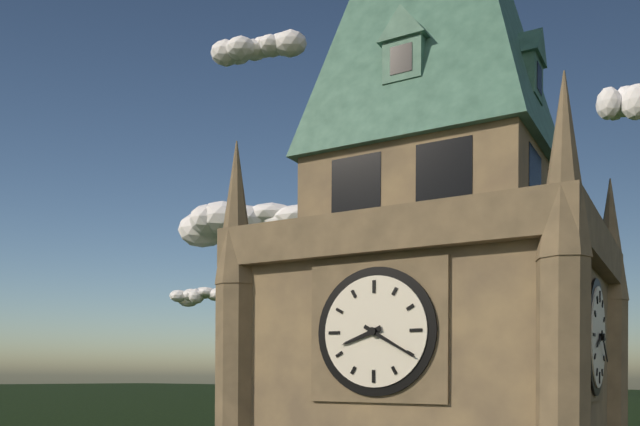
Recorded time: **8:20**
